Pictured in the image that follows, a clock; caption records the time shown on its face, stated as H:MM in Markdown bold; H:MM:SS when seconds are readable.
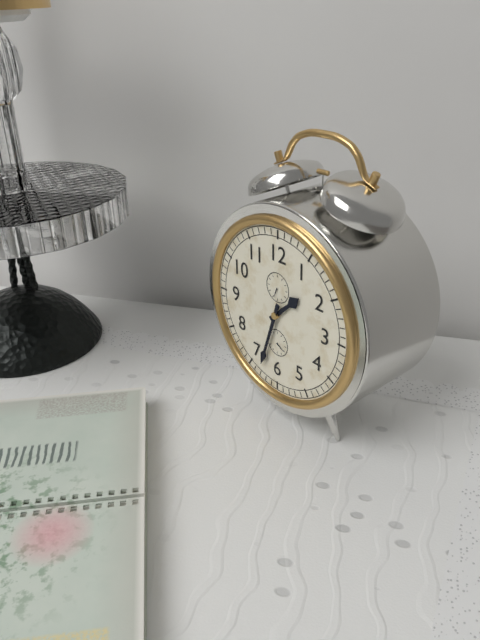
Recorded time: **1:33**
